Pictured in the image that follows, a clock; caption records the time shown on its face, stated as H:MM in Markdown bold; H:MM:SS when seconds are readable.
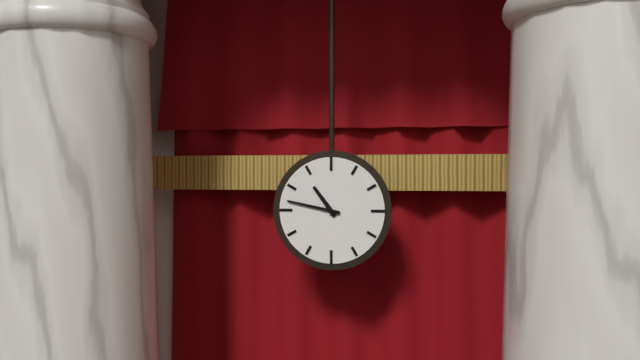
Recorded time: **10:47**
